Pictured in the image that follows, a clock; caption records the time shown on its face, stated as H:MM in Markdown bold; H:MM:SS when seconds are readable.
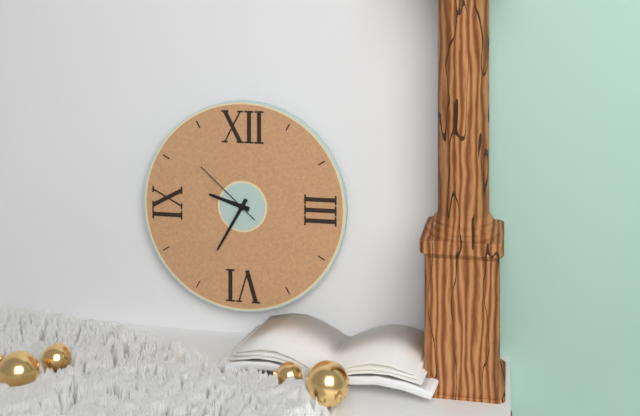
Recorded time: **9:35:52**
